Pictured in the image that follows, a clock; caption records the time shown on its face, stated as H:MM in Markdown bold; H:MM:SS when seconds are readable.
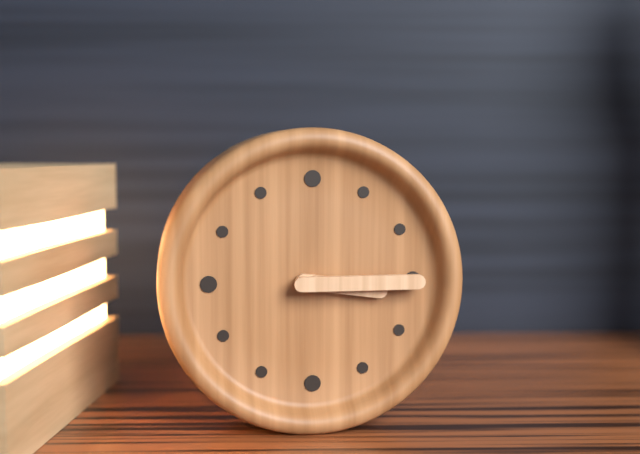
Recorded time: **3:15**
